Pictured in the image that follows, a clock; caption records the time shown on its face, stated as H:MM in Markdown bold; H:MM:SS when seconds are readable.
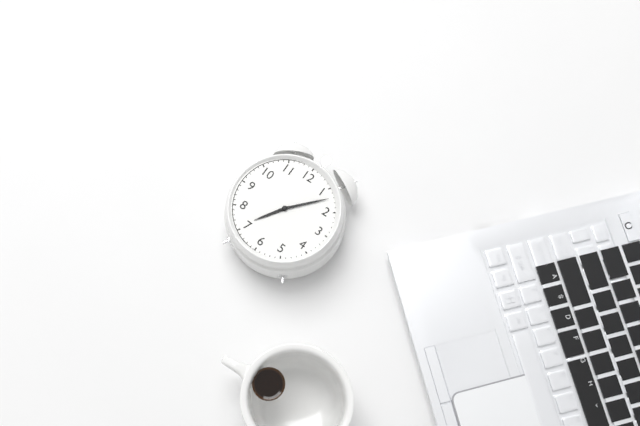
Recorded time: **7:07**
